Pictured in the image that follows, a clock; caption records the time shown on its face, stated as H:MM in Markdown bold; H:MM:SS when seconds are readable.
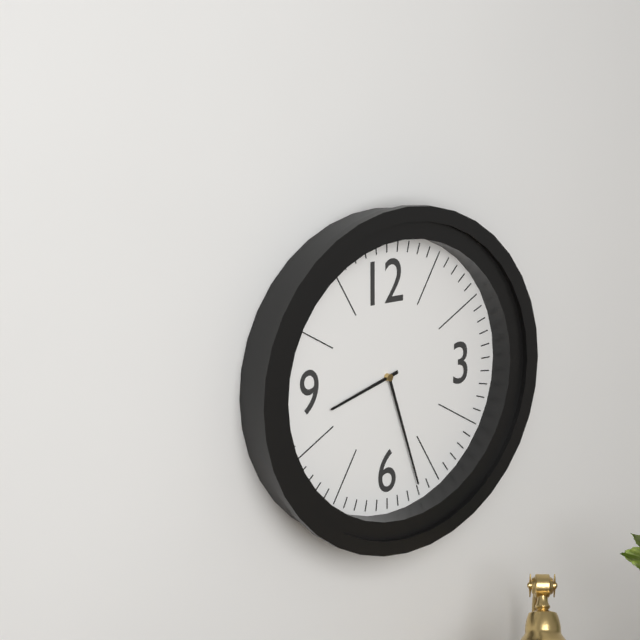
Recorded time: **8:27**
